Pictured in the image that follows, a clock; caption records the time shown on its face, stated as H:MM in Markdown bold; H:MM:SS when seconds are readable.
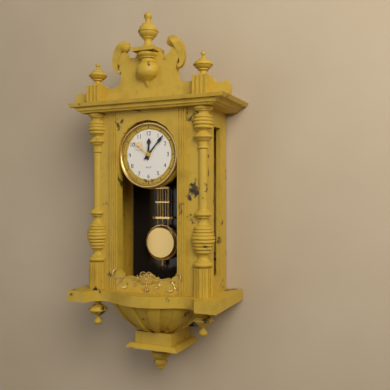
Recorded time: **12:07**
